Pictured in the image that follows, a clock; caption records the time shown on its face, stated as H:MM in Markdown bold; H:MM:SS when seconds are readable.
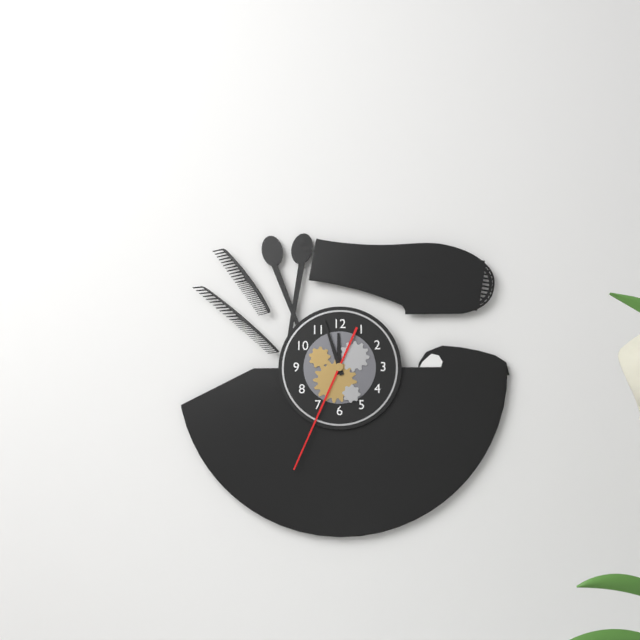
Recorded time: **11:57:34**
